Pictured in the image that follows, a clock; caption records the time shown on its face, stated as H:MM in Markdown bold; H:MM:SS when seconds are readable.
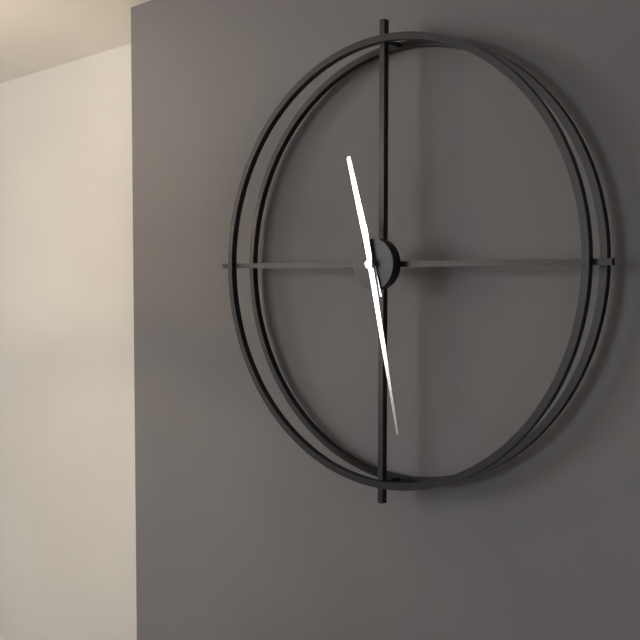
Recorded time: **11:28**
